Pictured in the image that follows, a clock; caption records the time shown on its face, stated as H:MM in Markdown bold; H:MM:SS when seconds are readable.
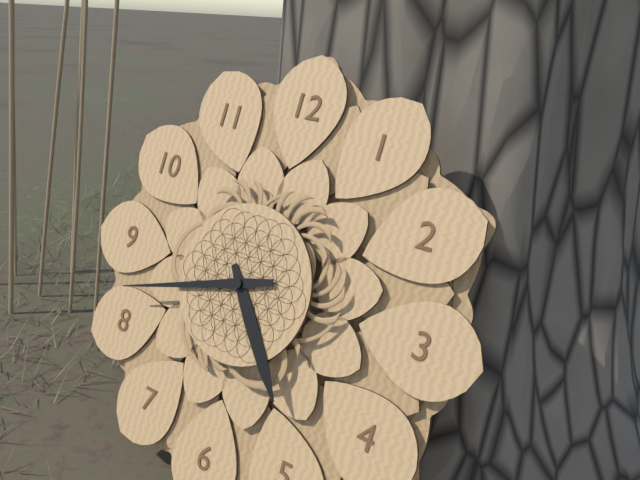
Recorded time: **4:42**
